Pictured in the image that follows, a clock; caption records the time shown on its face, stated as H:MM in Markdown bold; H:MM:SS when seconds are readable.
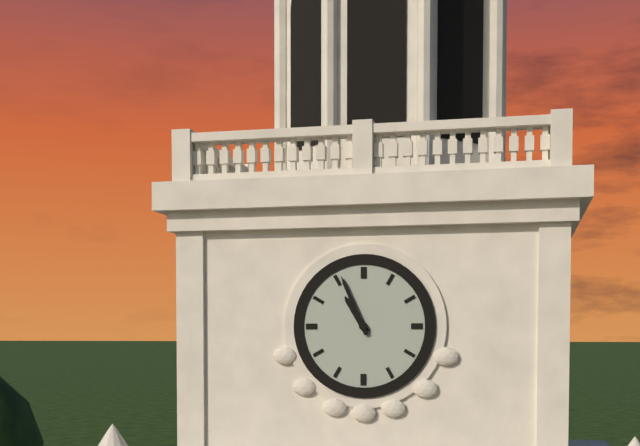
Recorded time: **10:56**
